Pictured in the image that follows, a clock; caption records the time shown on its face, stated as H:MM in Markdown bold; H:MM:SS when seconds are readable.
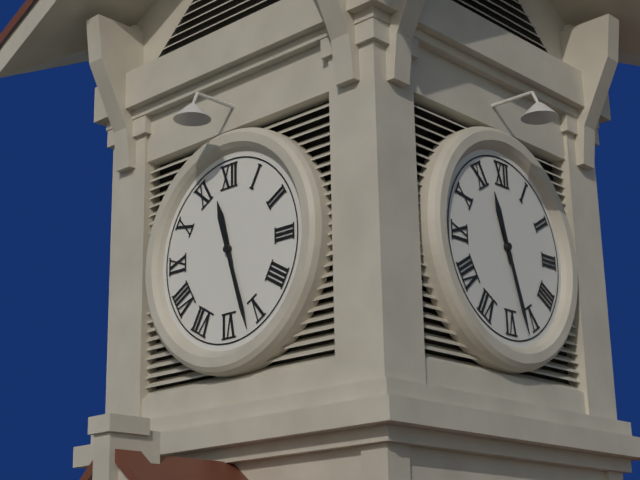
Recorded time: **11:27**
